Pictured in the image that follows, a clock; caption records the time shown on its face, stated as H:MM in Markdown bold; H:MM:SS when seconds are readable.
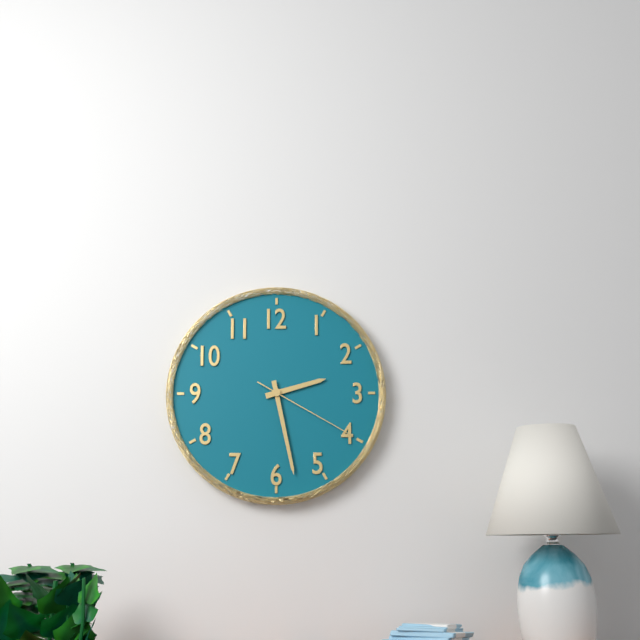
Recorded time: **2:28:20**
